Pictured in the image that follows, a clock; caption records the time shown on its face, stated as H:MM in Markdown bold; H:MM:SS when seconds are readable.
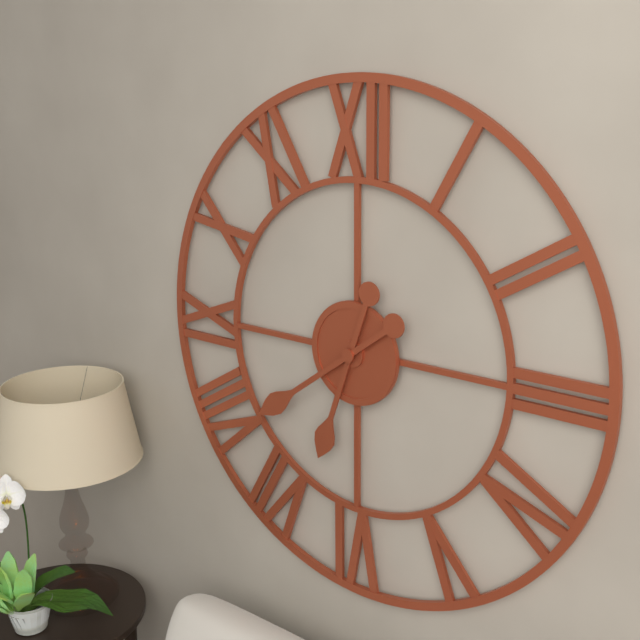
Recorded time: **6:39**
